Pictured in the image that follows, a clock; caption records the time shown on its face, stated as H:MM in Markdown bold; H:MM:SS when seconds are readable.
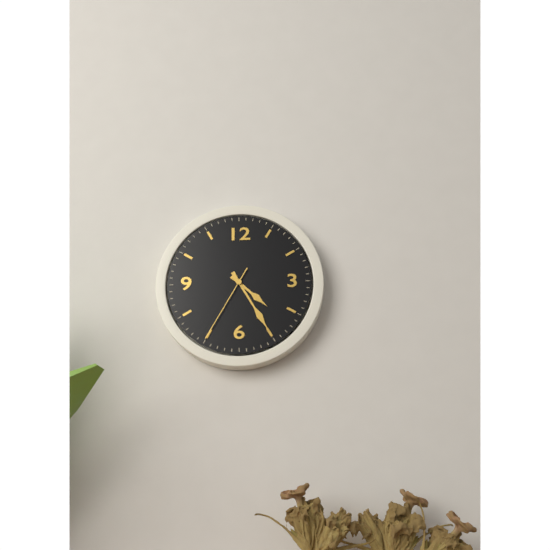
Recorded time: **4:25:35**
